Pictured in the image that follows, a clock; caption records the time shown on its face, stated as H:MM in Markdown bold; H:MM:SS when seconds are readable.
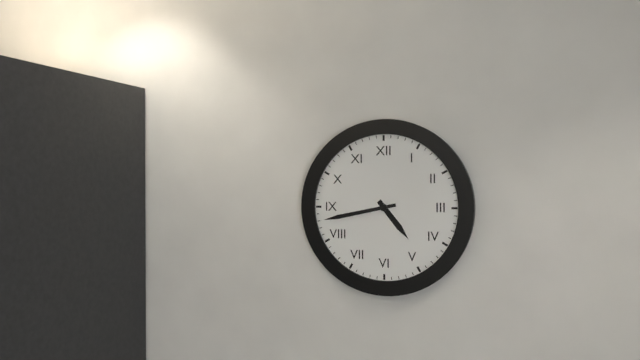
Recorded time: **4:43**
